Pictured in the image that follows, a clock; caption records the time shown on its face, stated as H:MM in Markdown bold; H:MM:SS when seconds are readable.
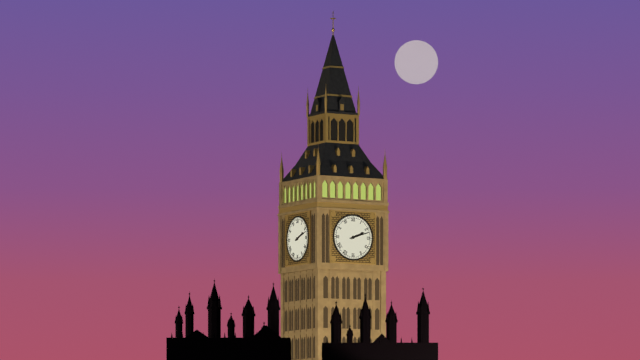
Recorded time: **2:12**
